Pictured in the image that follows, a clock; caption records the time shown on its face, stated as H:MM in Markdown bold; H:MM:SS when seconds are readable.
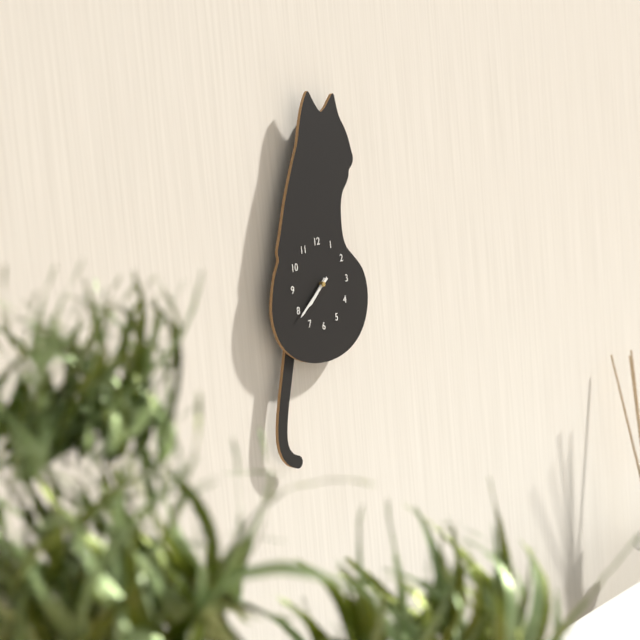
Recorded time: **7:39**
